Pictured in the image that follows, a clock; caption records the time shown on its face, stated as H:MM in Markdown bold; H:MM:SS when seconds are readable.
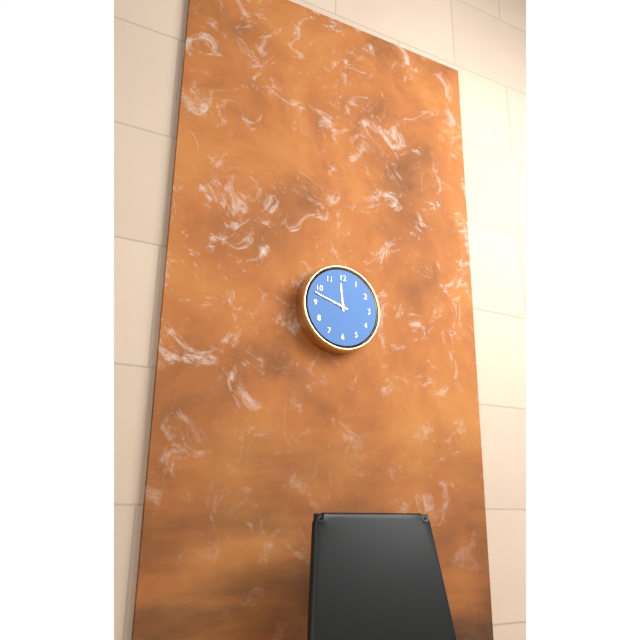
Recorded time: **11:48**
